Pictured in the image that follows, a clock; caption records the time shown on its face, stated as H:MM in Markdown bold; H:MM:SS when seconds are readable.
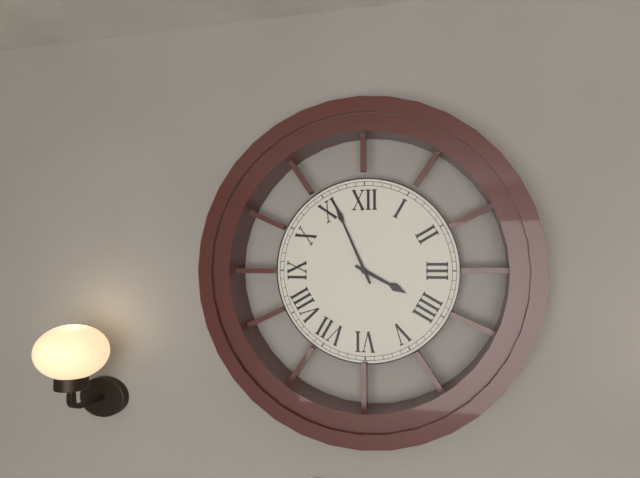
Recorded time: **3:56**
